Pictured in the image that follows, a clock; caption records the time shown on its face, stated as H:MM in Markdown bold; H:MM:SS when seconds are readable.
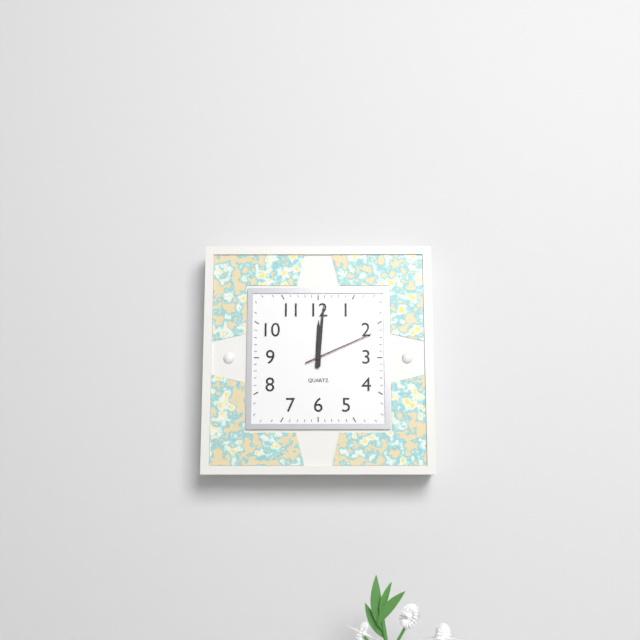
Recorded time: **12:01:11**
